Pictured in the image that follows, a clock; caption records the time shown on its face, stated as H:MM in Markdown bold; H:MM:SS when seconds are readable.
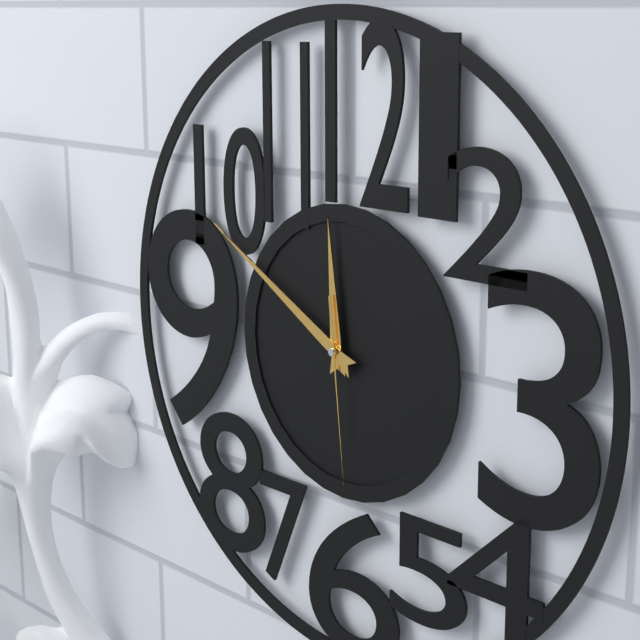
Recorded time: **11:50:29**
